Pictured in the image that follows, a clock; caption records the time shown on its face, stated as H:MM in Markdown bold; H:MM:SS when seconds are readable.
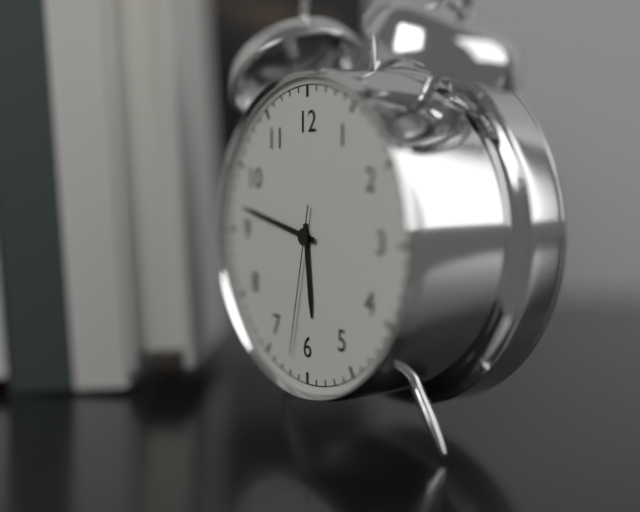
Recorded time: **5:47:32**
